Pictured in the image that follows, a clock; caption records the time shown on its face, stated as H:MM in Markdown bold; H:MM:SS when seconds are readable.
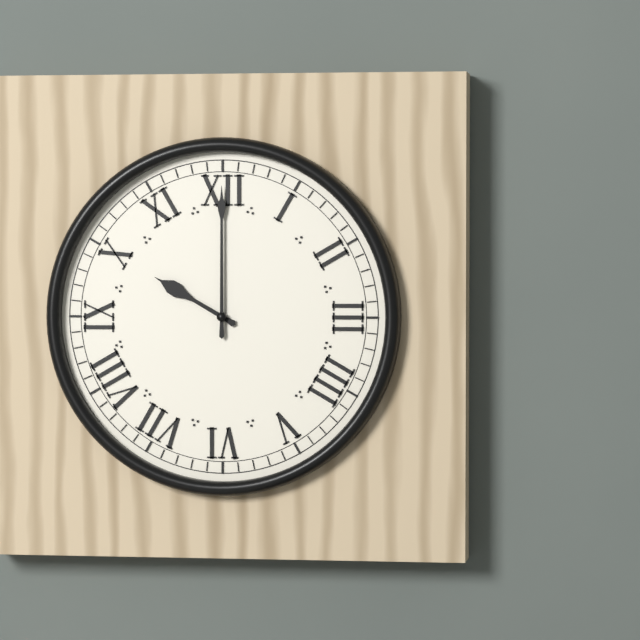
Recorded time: **10:00**
